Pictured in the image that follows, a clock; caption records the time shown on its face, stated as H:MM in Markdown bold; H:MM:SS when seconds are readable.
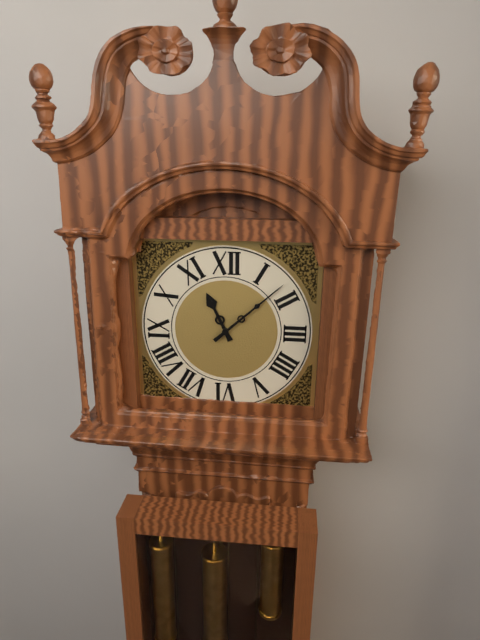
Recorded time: **11:08**
